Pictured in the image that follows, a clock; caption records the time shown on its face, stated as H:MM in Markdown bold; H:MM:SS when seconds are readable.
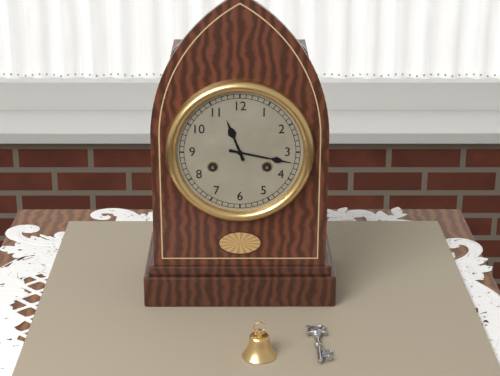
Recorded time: **11:17**
